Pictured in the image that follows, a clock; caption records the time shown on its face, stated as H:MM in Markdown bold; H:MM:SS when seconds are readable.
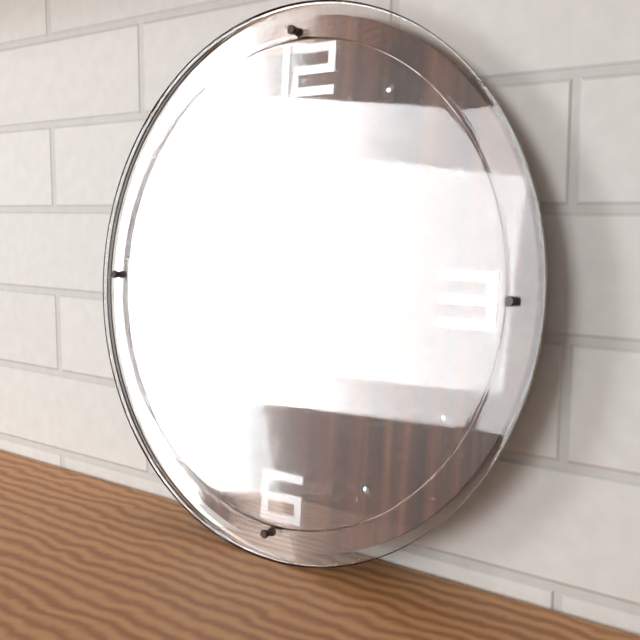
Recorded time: **3:37:32**
